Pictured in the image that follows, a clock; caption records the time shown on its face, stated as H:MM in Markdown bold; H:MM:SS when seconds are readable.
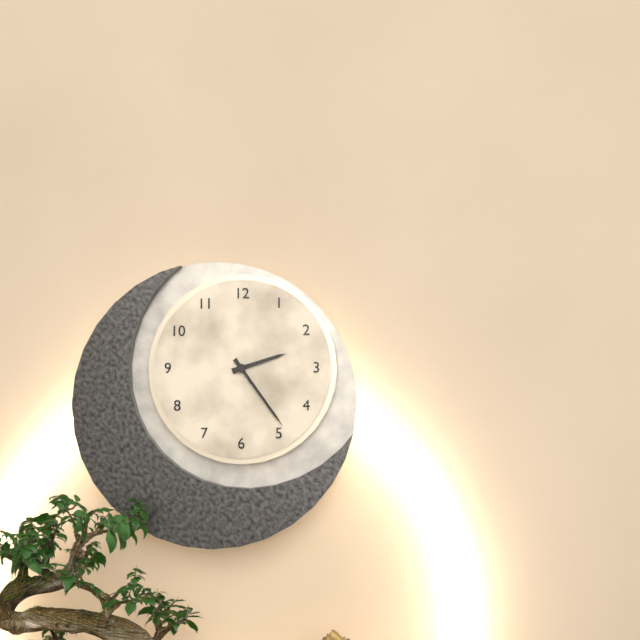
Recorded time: **2:24**
